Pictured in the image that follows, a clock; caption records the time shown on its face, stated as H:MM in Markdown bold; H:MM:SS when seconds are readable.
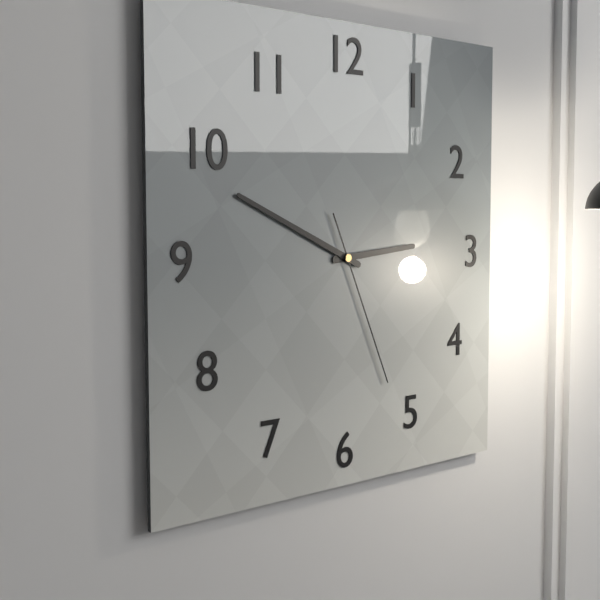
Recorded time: **2:49:26**
